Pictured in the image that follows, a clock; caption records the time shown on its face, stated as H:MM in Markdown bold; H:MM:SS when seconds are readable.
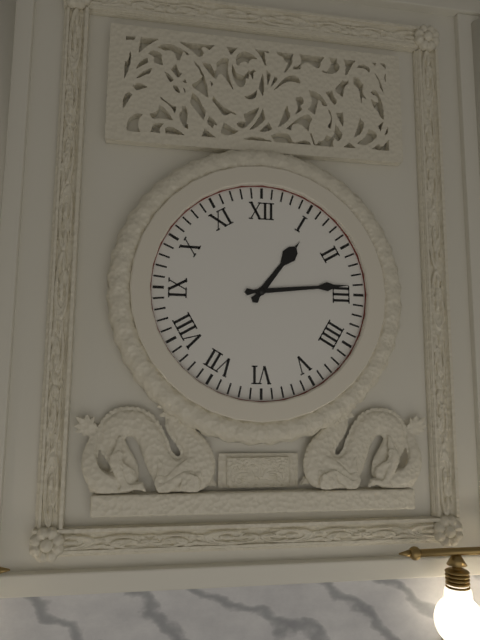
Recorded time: **1:14**
